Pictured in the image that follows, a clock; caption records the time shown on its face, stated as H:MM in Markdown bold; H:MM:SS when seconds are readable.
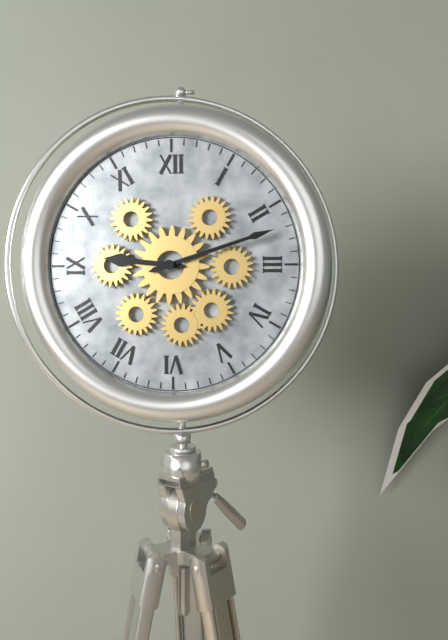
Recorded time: **9:12**
